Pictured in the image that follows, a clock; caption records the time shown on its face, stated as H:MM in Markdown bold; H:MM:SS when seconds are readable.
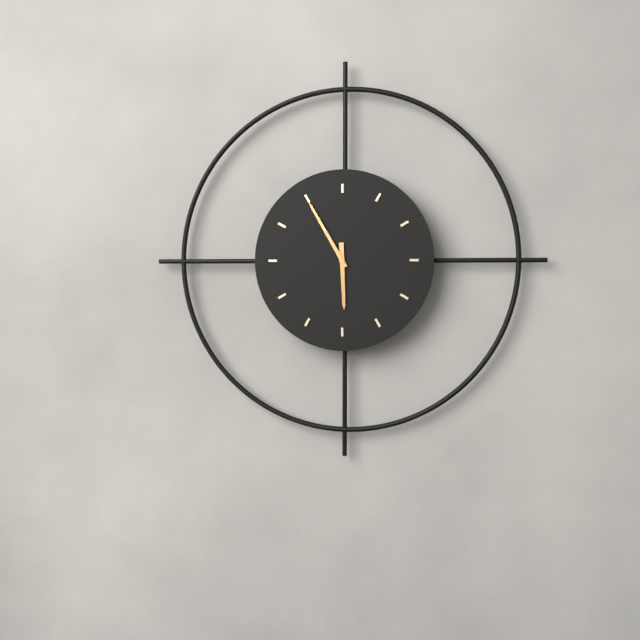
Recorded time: **5:55**
